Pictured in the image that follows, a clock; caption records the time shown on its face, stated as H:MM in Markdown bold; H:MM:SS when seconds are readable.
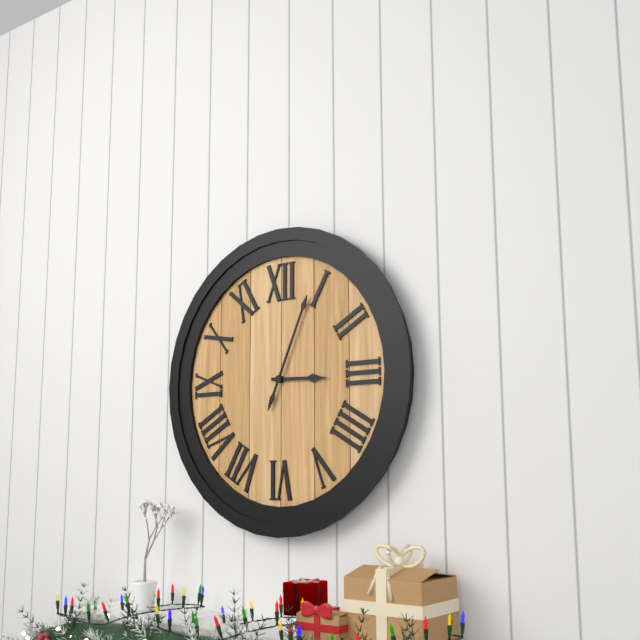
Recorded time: **3:04**
